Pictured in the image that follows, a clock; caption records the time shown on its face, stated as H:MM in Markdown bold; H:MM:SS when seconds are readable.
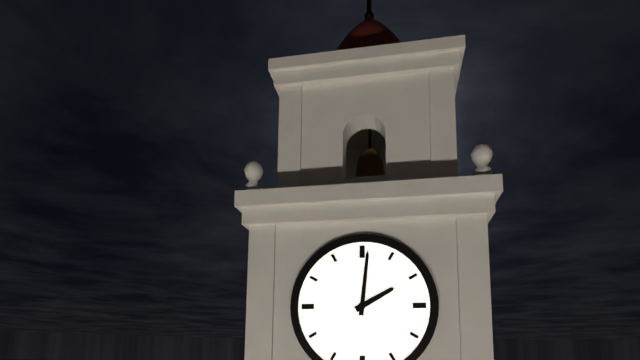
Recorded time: **2:01**
